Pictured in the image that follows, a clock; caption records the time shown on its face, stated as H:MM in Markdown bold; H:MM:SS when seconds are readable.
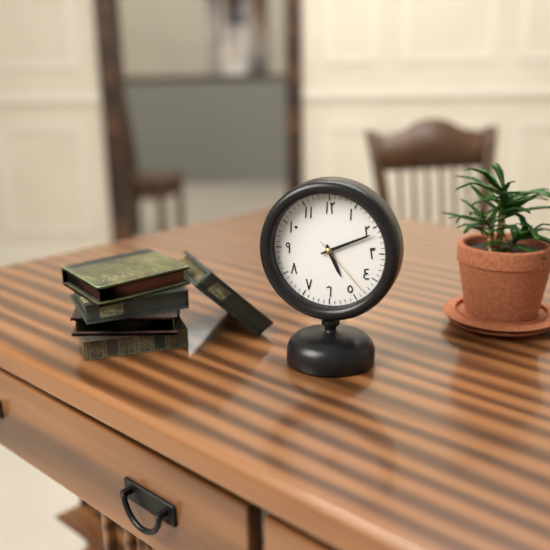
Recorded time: **5:11:23**
